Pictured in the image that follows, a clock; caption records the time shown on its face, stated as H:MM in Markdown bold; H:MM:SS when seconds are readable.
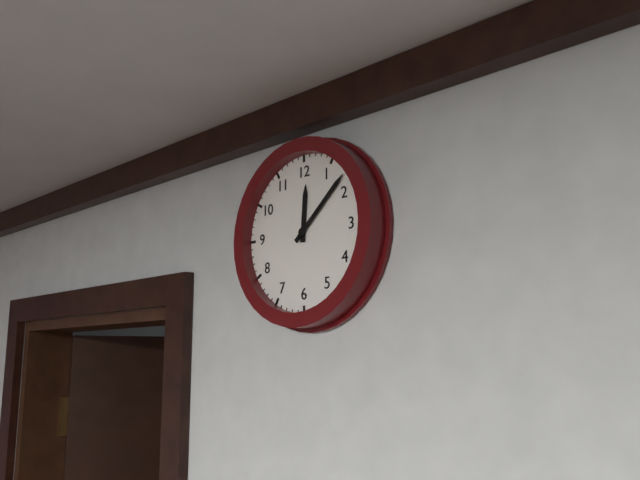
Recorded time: **12:08**
